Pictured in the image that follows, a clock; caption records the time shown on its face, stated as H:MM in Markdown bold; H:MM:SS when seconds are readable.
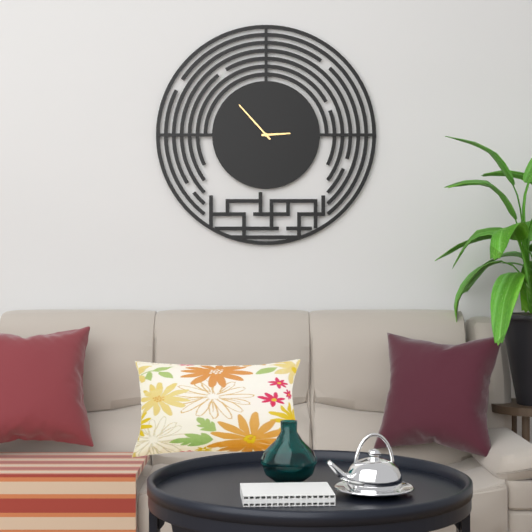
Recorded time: **2:53**
